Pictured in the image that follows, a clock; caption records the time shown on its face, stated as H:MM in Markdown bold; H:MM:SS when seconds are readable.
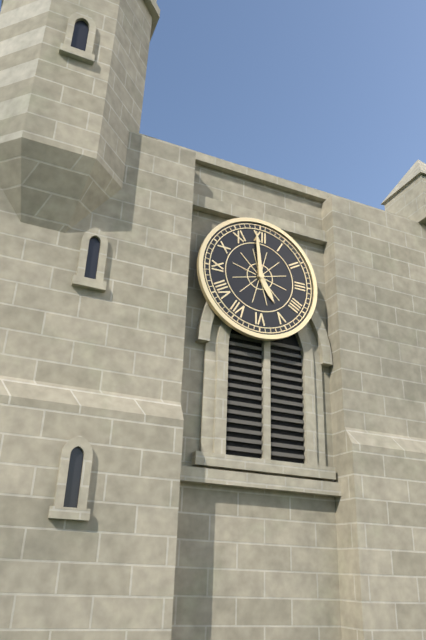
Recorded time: **4:59**
